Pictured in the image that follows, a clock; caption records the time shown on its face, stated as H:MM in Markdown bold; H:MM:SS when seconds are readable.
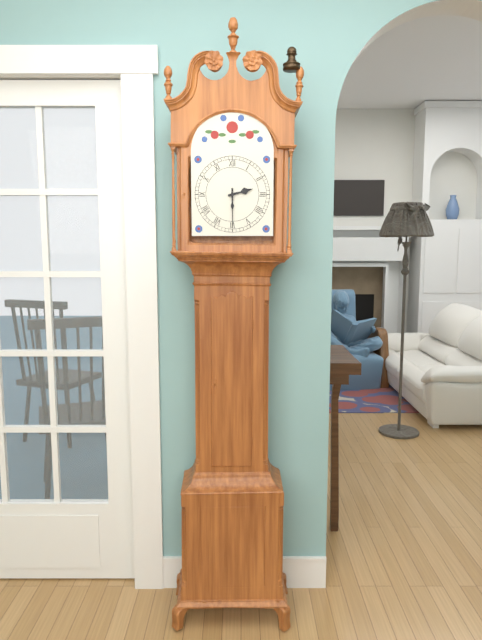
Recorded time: **2:30**
